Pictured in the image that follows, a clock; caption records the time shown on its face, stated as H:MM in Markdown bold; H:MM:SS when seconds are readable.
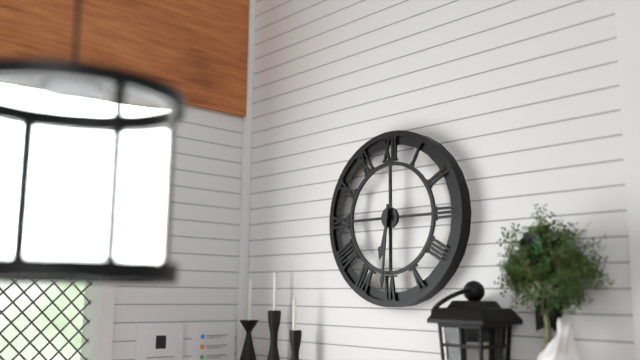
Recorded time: **6:31**
